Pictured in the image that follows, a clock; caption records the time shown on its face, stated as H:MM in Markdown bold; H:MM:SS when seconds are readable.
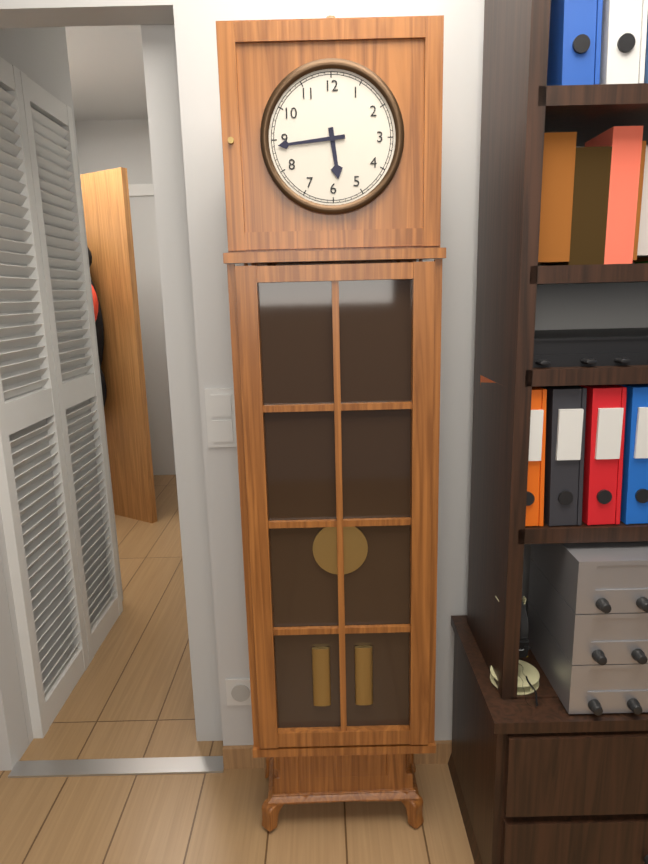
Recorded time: **5:44**
